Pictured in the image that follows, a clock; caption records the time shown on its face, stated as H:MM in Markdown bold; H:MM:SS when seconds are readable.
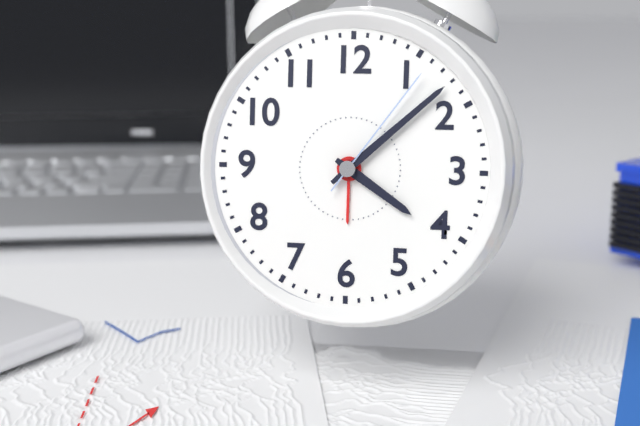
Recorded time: **4:08:06**
